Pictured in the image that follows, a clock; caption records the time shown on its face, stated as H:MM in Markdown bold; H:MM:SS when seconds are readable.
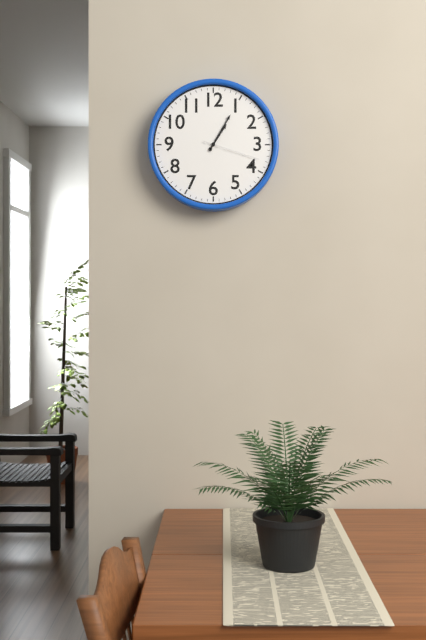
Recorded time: **1:05:18**
